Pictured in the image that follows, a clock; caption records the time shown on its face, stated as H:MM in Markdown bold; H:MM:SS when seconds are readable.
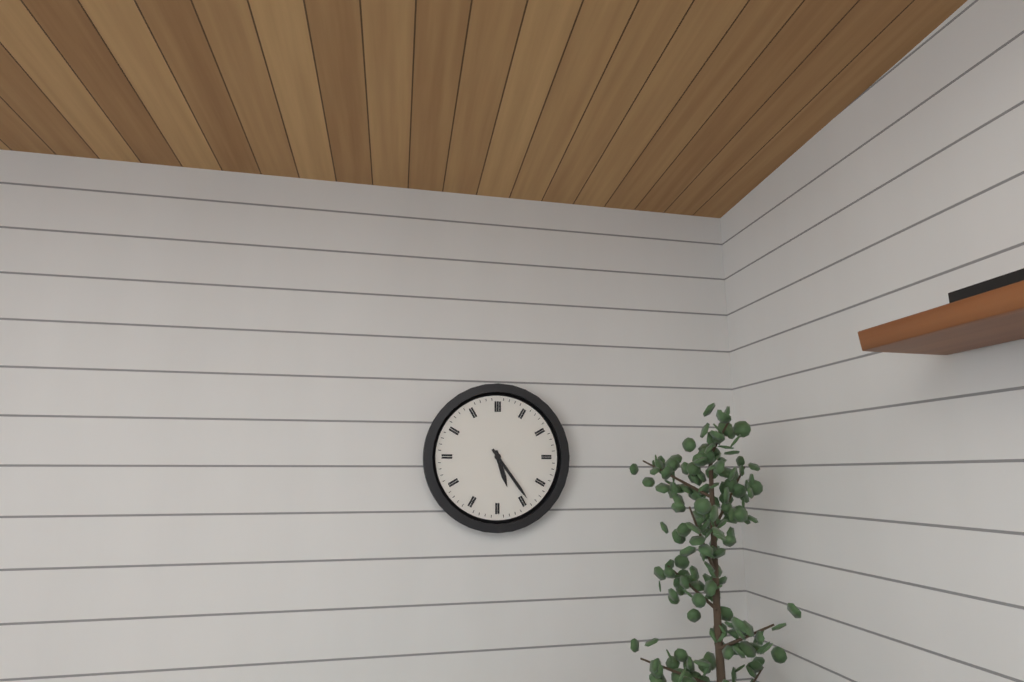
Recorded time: **5:24**
